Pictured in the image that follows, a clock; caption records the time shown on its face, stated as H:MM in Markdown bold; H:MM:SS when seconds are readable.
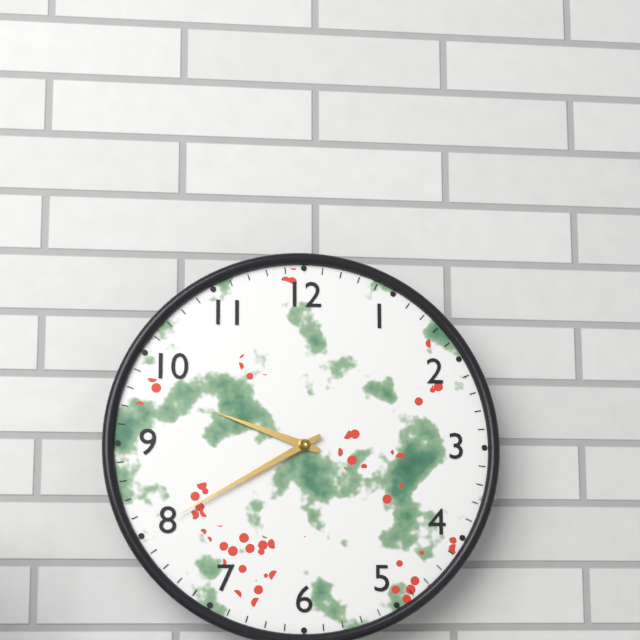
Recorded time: **9:40**
